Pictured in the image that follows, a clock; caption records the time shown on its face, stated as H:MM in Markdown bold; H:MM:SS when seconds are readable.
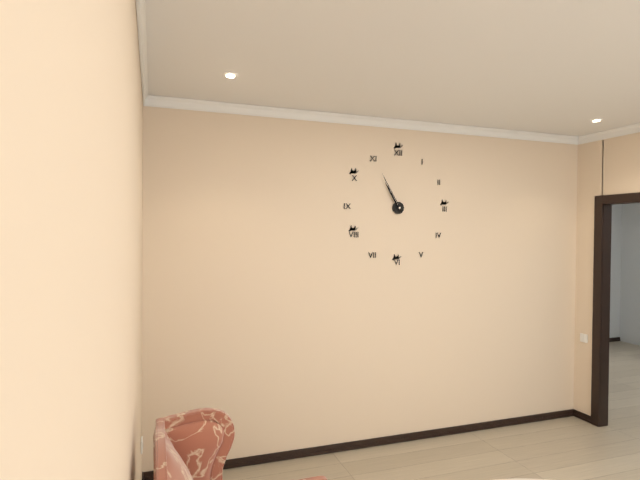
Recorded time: **10:55**
